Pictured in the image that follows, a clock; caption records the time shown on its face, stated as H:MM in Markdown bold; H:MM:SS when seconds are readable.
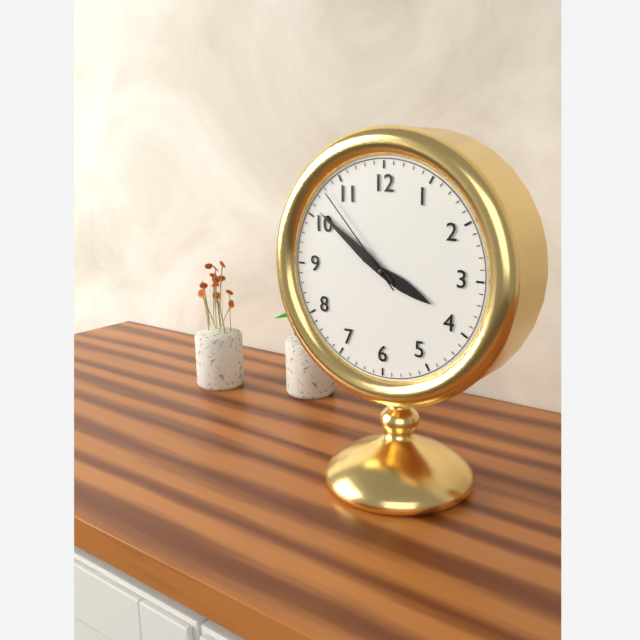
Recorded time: **3:51:53**
